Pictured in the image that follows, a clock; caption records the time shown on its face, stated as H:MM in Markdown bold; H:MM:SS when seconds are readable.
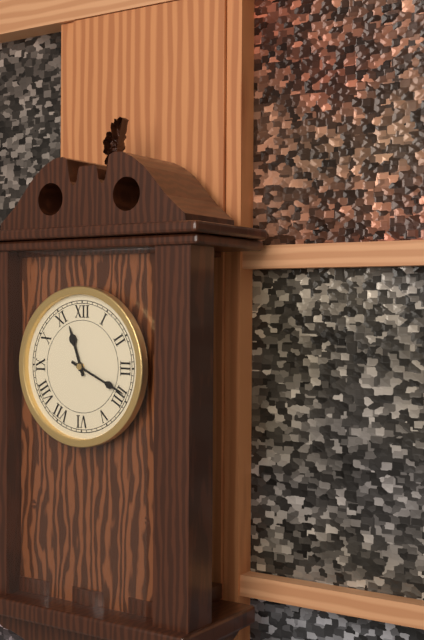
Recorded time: **11:19**
